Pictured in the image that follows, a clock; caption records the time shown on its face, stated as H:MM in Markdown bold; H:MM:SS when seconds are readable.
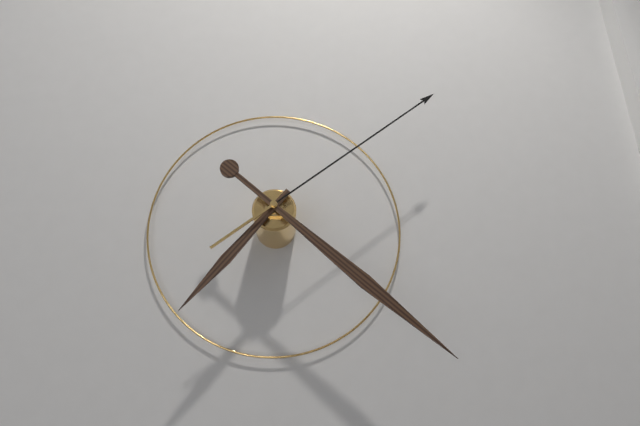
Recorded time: **7:22:09**
